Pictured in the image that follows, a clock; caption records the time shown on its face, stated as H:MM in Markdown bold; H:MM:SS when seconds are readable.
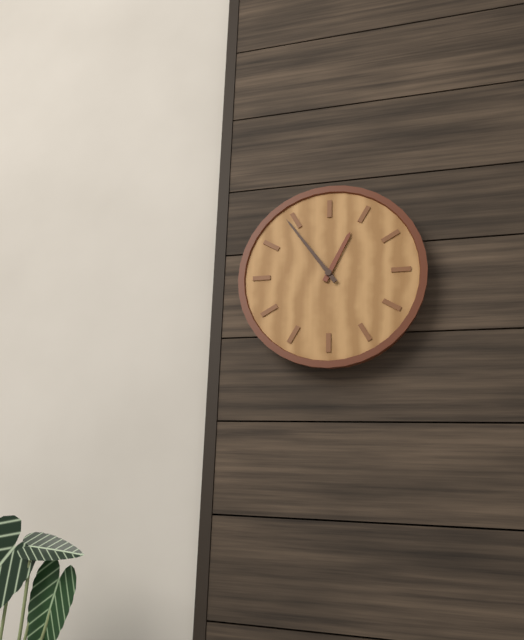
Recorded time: **12:54**
